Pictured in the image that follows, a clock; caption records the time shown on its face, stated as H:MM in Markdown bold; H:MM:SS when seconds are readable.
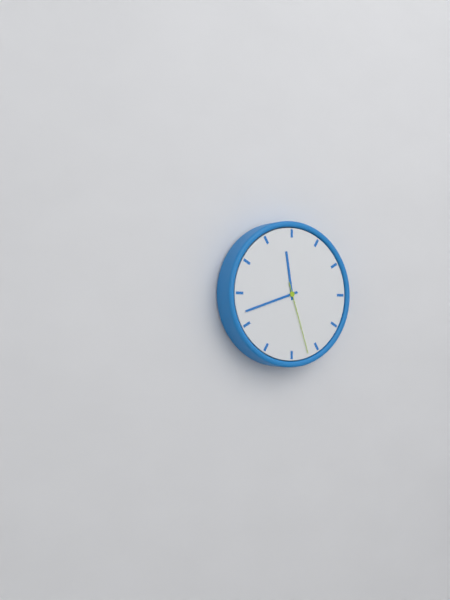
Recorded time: **11:42:27**
